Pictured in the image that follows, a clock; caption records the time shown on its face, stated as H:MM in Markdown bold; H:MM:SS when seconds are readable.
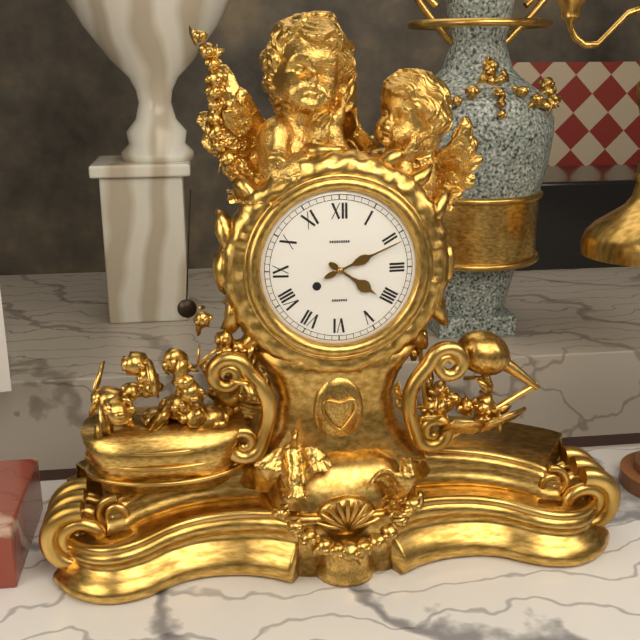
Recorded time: **4:11**
